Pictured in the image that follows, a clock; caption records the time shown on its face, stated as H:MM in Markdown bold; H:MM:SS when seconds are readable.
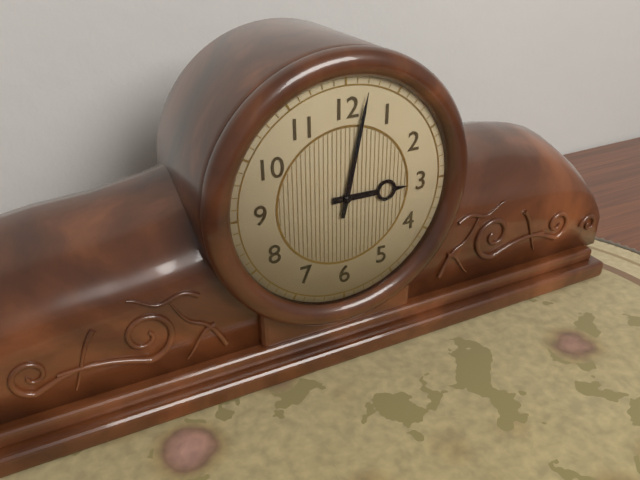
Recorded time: **3:02**
